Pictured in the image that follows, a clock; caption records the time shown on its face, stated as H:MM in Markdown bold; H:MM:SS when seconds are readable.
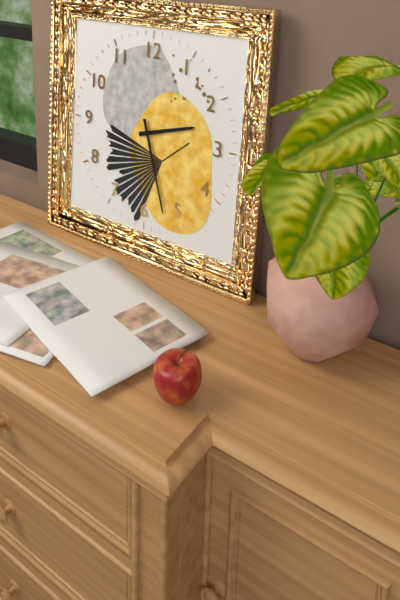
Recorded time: **2:27**
